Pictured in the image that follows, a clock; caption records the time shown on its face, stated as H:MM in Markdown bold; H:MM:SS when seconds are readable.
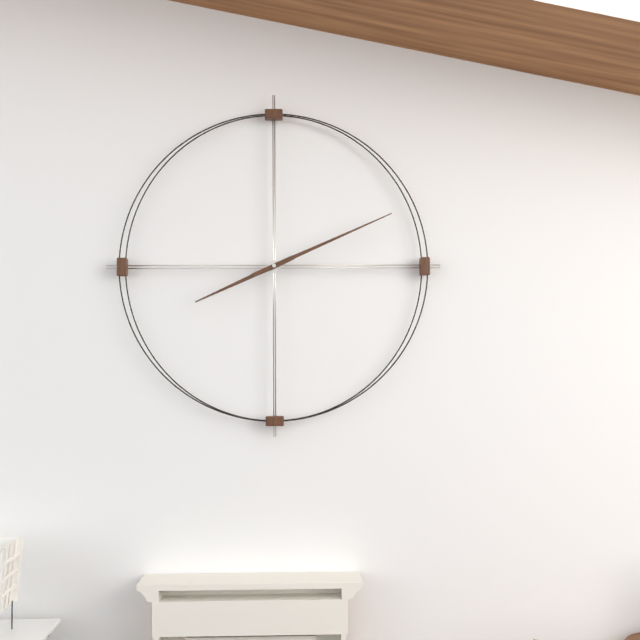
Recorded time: **8:11**
